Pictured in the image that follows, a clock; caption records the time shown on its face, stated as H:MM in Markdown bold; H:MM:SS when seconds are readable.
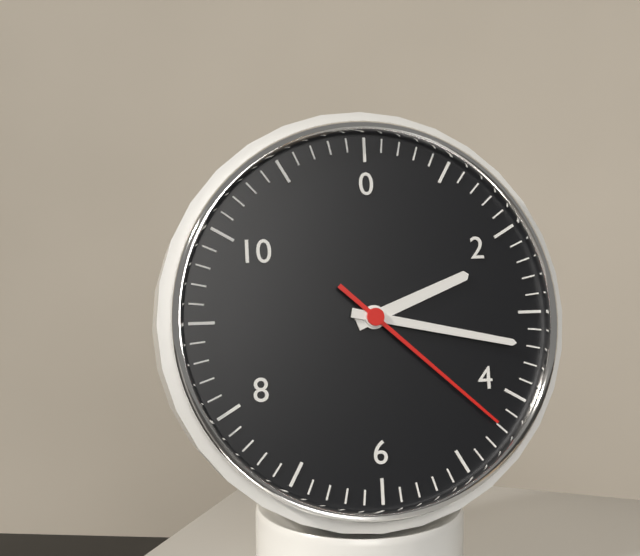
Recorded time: **2:17:22**
